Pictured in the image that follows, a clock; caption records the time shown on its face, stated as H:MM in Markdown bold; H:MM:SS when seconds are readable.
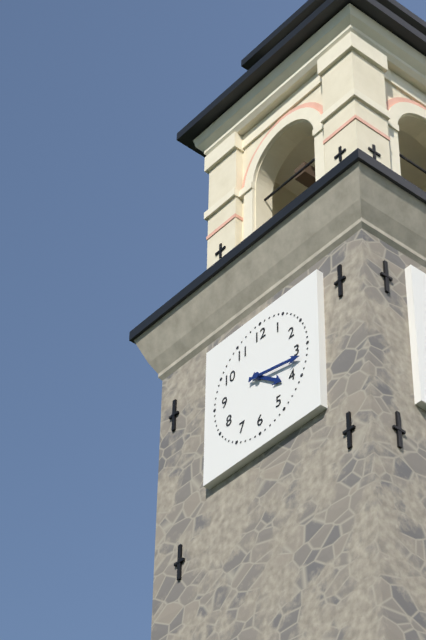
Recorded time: **4:17**
